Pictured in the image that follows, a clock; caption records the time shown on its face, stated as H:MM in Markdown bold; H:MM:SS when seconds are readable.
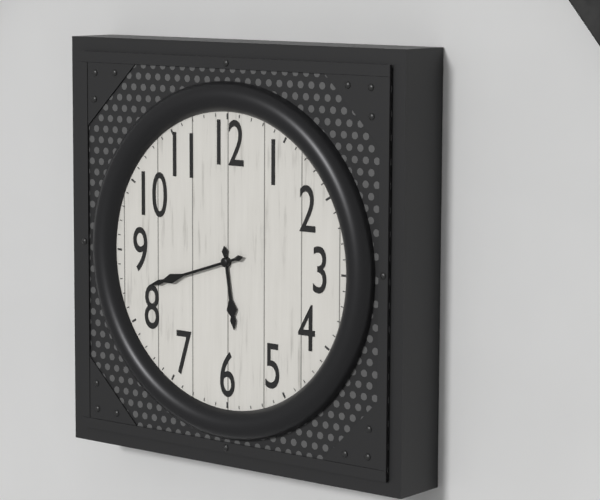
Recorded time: **5:42**
